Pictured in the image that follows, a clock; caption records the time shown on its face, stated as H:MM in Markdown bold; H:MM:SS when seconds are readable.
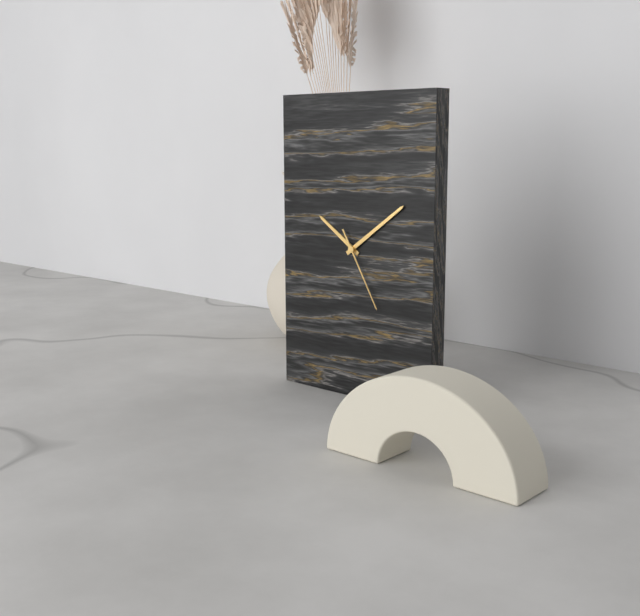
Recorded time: **10:09:25**
